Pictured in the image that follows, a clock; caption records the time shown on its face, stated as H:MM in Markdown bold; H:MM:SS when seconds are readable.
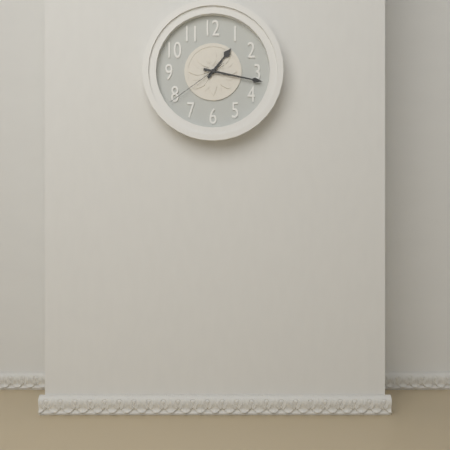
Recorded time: **1:17:39**
